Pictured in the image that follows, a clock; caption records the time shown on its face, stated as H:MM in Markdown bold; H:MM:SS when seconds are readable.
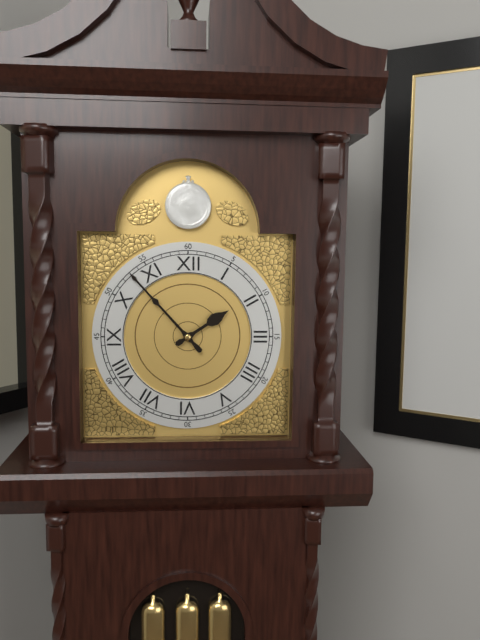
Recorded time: **1:53**
